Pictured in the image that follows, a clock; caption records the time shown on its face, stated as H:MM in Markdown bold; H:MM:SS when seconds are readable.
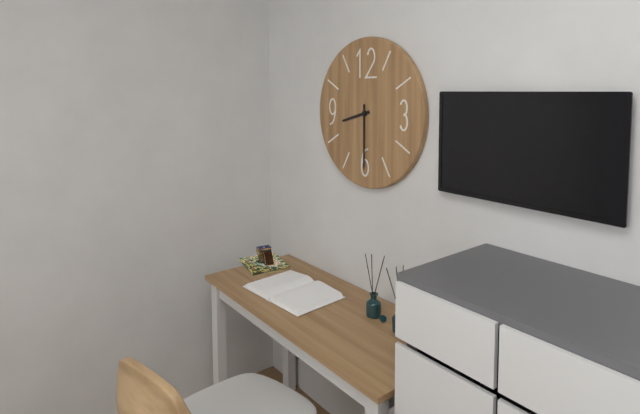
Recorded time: **8:30**
